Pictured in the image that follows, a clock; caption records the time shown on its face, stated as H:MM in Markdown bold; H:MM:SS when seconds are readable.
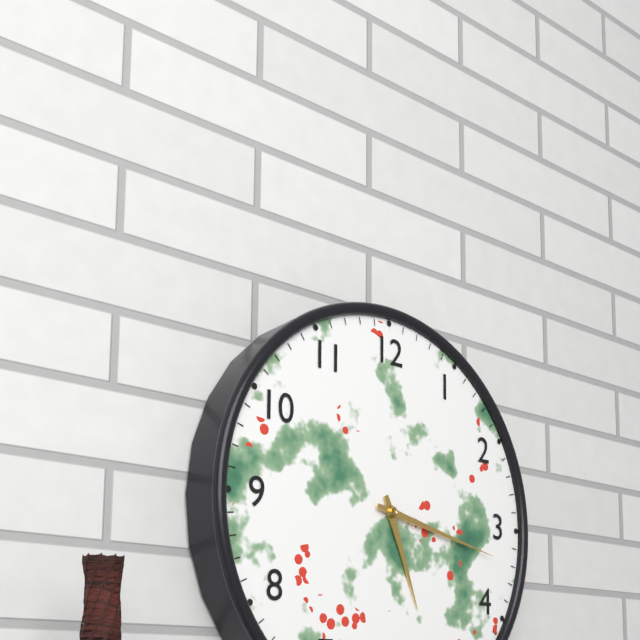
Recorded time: **5:17**
